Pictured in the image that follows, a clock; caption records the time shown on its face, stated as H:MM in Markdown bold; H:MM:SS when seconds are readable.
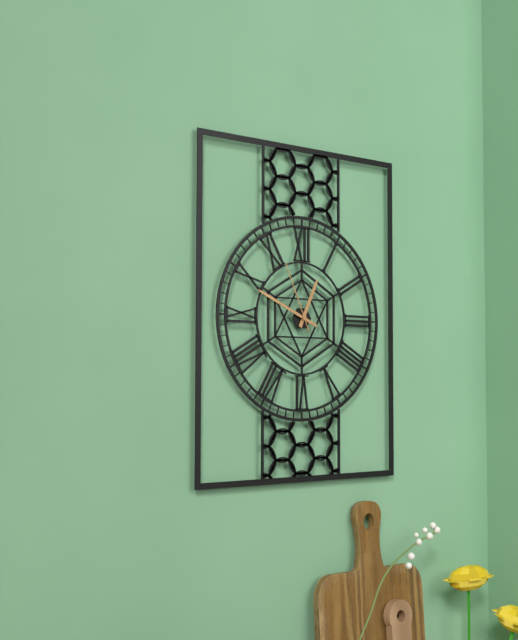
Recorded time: **12:49:56**
